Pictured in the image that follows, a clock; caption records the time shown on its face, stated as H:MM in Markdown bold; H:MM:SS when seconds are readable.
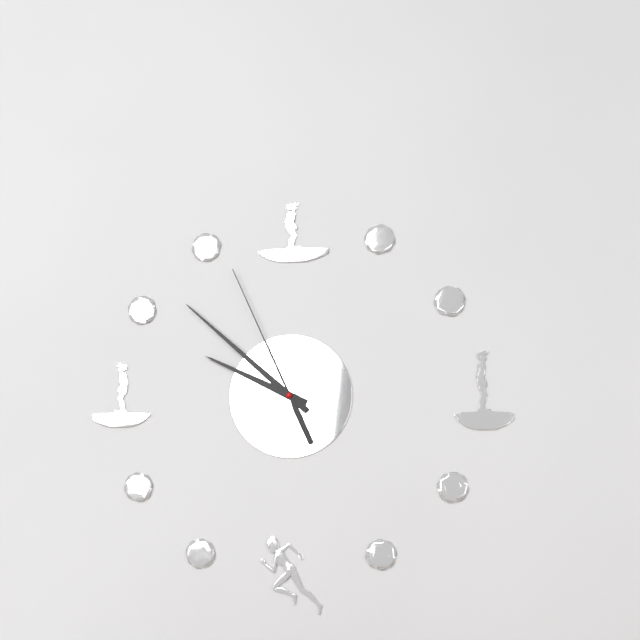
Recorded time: **9:52:56**
